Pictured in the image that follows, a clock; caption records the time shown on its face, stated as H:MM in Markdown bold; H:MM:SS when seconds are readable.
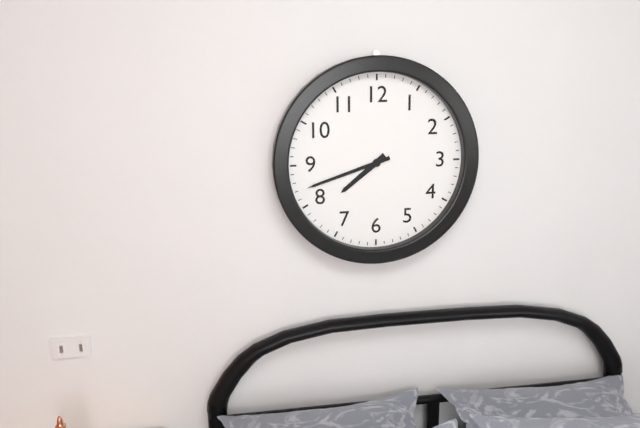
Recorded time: **7:42**
